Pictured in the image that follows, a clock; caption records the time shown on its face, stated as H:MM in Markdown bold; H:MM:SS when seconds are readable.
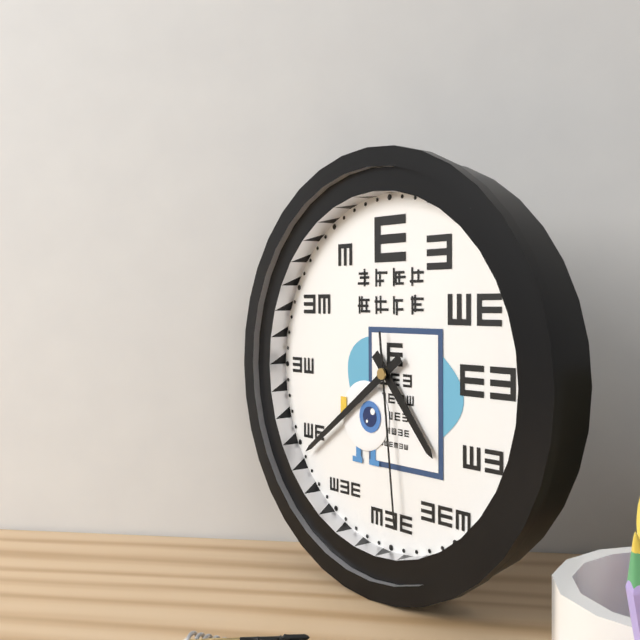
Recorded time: **4:39:29**
